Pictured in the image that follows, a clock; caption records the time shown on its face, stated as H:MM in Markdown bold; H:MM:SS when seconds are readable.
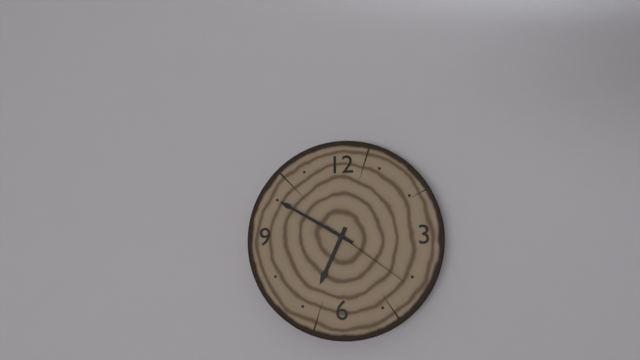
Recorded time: **6:50:21**
